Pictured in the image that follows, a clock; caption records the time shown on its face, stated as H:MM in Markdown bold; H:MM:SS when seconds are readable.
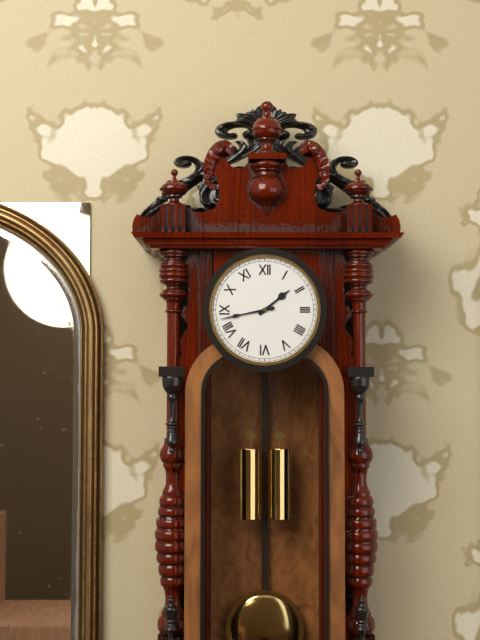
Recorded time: **1:43**
